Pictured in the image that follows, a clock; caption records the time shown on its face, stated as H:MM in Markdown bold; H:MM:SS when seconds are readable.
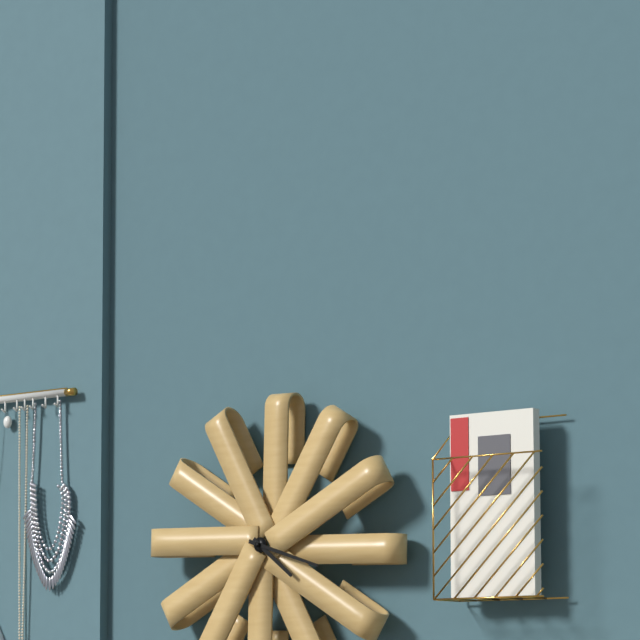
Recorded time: **4:18**
